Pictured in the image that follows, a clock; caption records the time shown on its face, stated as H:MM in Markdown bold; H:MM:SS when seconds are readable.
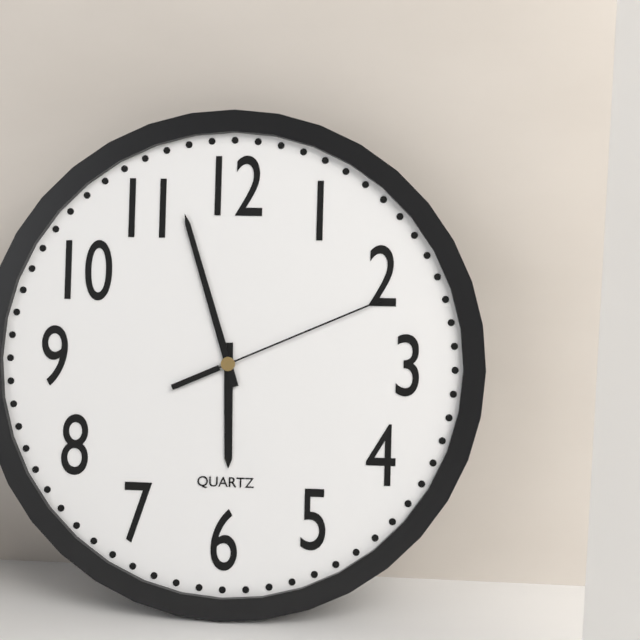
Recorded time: **5:57:11**
